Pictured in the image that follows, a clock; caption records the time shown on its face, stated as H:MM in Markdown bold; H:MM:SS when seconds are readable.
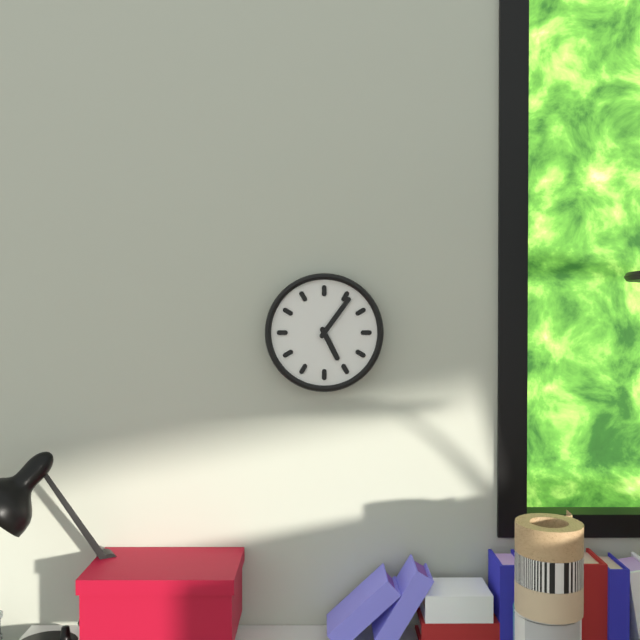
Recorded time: **5:06**
